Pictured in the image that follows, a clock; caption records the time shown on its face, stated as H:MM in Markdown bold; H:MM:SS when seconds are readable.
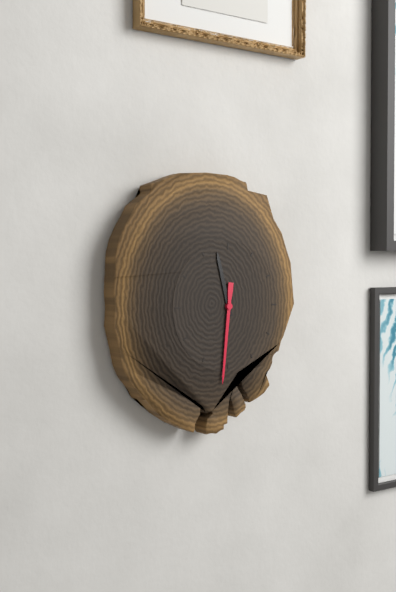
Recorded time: **11:31**
